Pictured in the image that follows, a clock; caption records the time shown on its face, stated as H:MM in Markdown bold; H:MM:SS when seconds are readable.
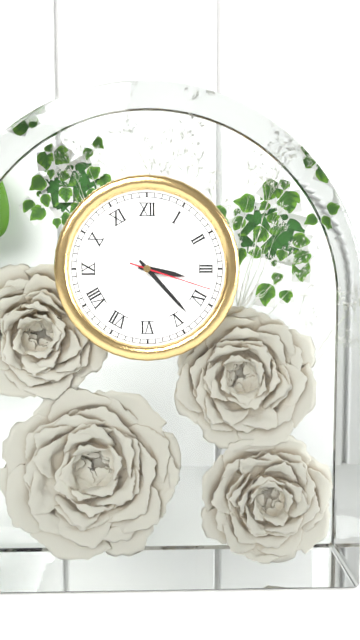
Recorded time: **3:23:18**
